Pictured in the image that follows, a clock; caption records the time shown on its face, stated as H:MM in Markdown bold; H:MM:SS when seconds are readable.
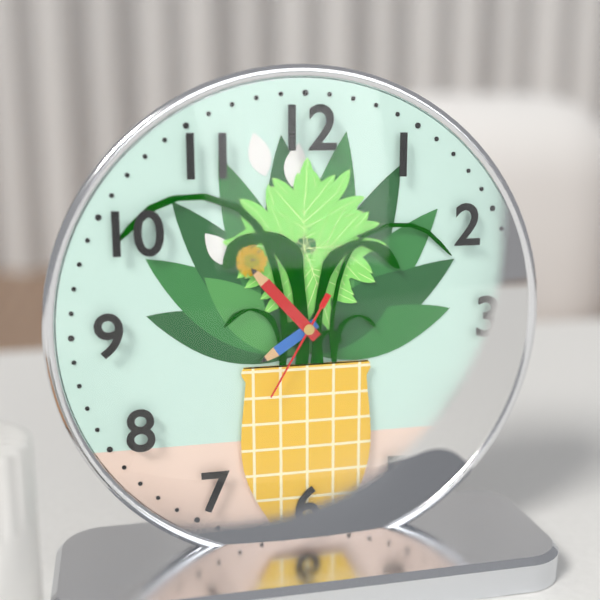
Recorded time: **7:53:35**
